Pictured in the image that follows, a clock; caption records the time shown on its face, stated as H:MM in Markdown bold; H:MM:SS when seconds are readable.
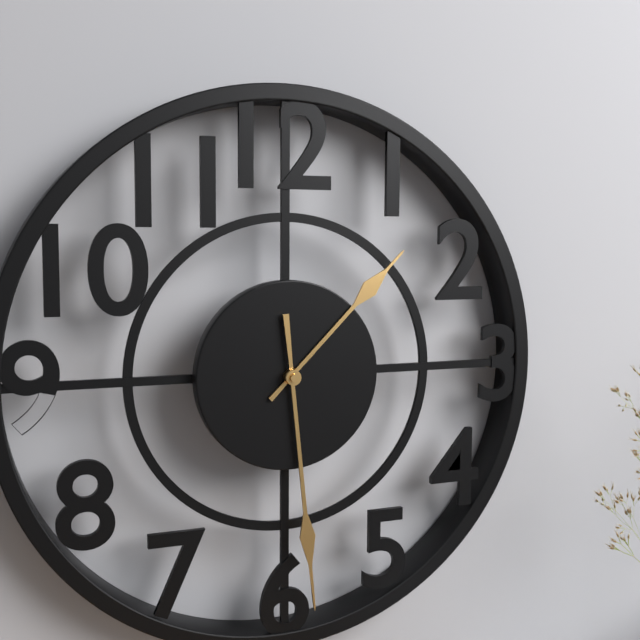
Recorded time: **1:29**
